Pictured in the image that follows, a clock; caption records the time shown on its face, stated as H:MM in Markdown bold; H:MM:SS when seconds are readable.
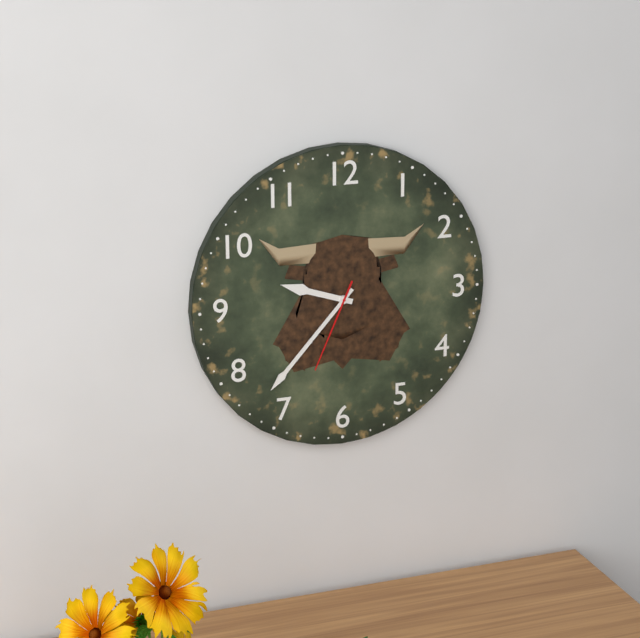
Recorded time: **9:37:34**
